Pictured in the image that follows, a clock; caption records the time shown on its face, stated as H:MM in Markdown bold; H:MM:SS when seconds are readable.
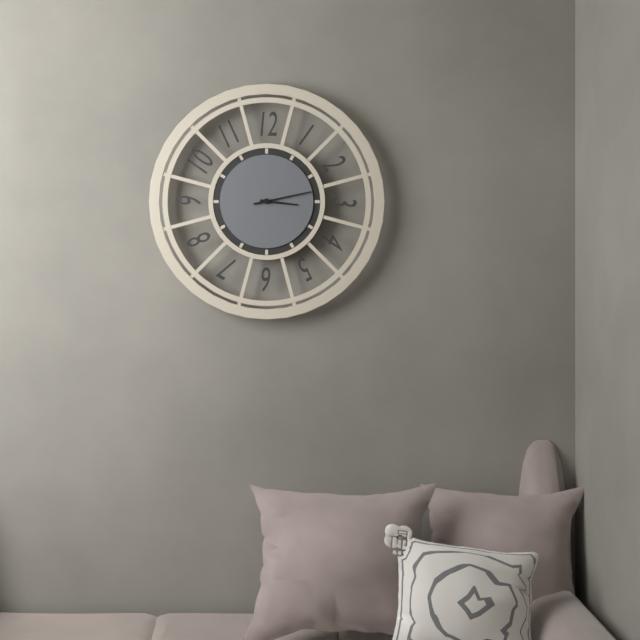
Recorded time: **3:13**
